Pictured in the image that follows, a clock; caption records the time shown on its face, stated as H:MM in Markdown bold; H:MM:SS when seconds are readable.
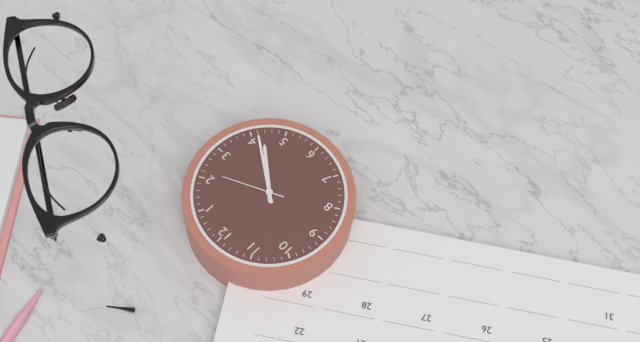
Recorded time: **4:21:11**
